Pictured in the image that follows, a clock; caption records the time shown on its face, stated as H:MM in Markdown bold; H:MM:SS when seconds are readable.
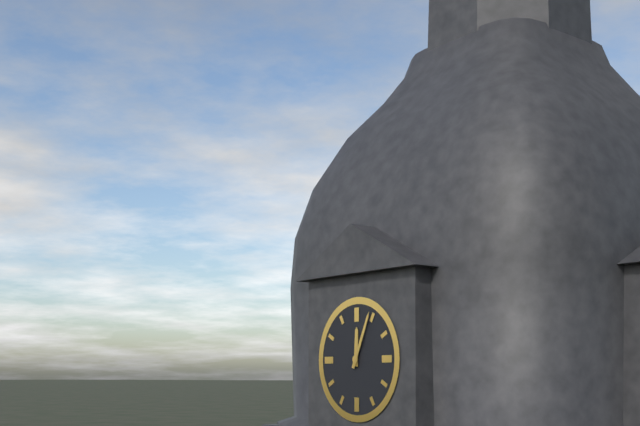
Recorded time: **12:04**
